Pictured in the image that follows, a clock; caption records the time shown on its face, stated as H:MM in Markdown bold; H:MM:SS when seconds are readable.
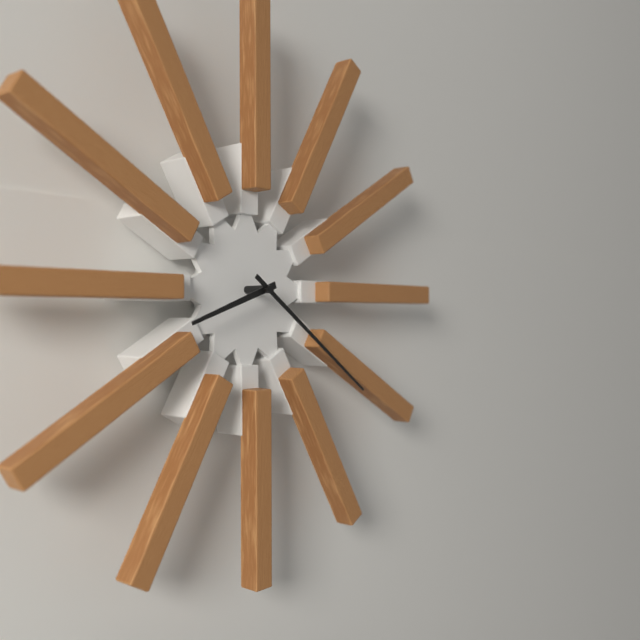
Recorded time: **8:21**
